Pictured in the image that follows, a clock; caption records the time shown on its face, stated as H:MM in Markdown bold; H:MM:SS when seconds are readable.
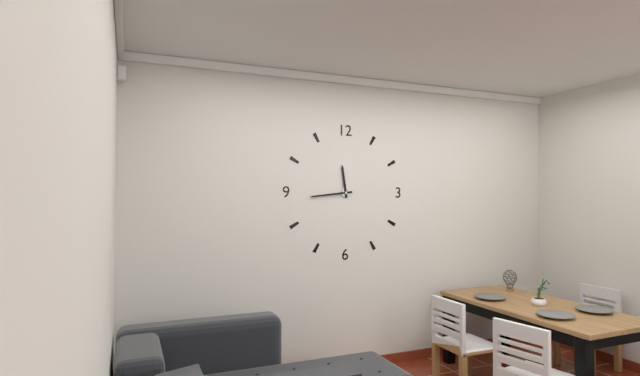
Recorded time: **11:44**
